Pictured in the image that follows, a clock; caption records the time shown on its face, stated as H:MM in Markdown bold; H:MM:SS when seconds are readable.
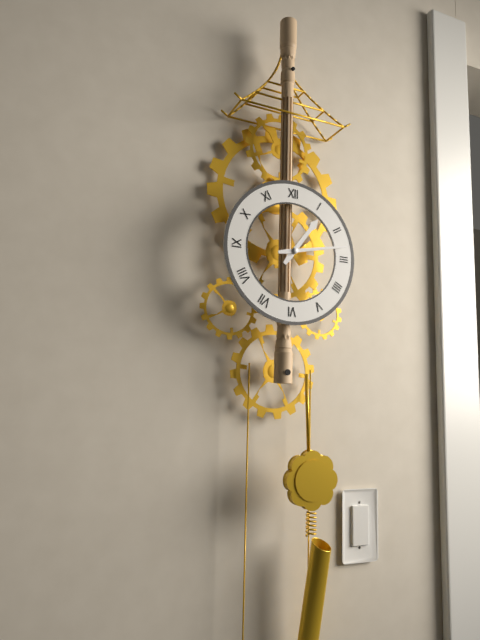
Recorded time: **1:13**
